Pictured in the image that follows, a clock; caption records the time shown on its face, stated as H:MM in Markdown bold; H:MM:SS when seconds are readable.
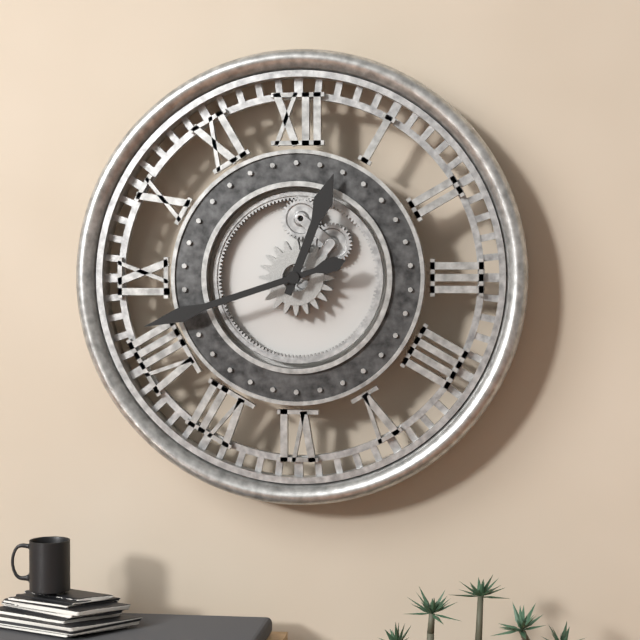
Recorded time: **12:42**
